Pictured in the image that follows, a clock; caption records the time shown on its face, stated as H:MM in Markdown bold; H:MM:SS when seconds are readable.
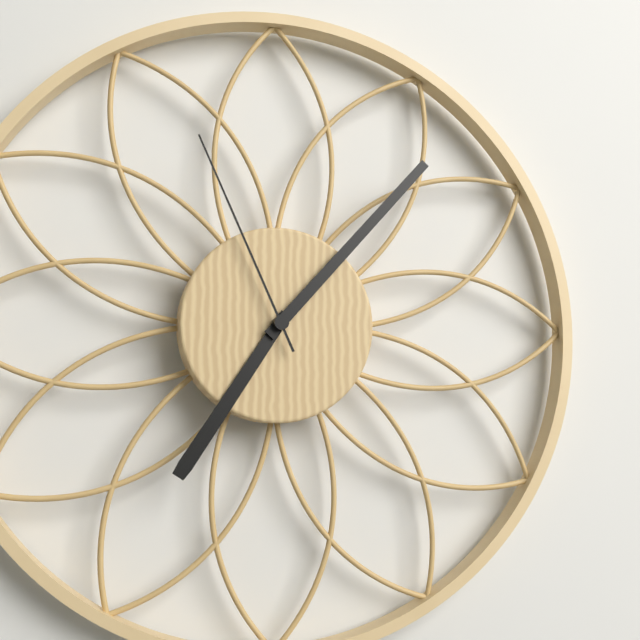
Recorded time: **7:07:56**
